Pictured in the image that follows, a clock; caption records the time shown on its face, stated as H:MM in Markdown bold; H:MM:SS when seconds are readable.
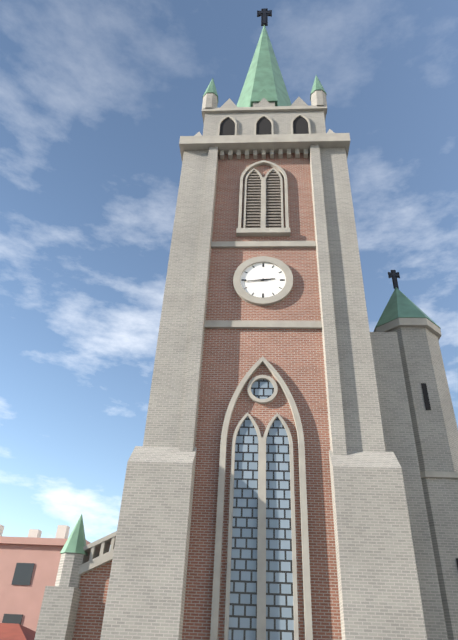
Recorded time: **2:44**
